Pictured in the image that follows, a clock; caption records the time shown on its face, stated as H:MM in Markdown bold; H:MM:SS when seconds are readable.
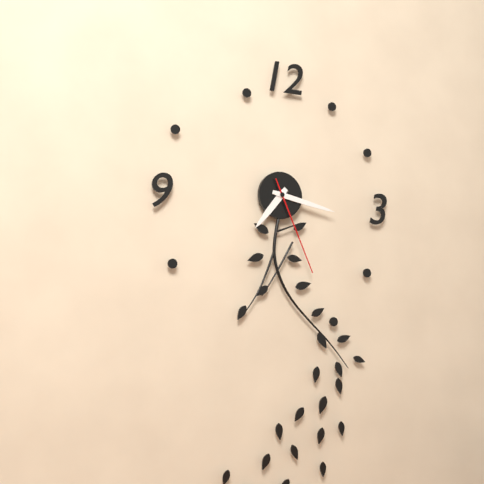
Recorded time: **7:17:26**
